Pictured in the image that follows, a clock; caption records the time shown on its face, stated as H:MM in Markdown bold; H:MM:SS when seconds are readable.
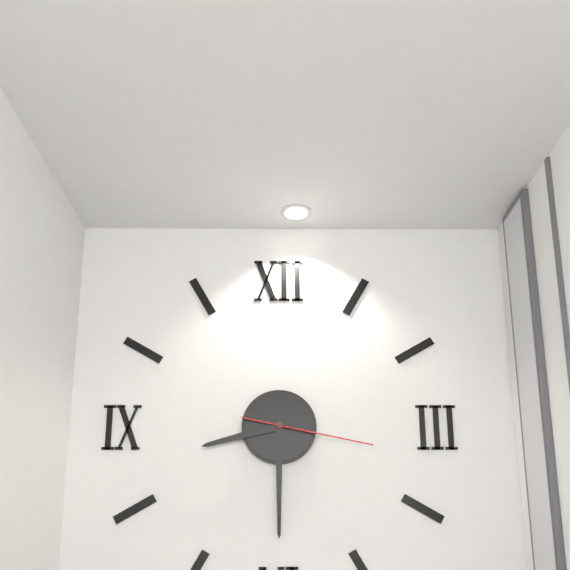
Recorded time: **8:30:17**
